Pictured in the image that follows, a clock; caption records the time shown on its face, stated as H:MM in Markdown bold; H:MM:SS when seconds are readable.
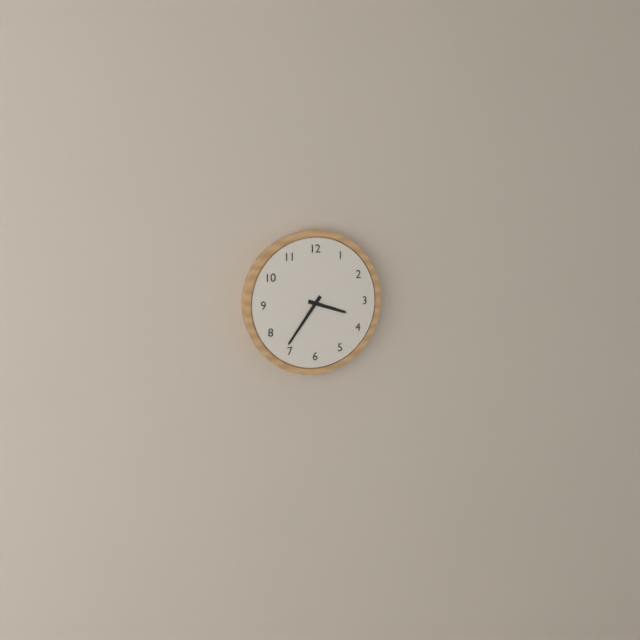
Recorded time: **3:36**
